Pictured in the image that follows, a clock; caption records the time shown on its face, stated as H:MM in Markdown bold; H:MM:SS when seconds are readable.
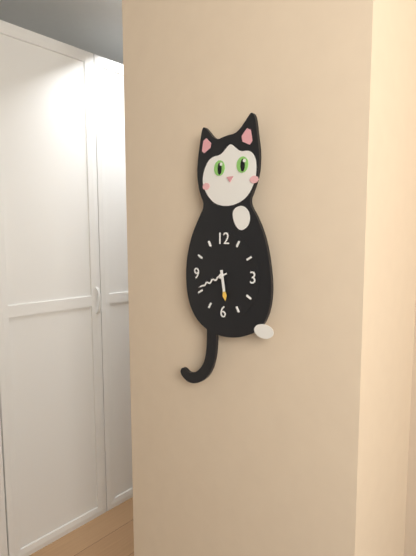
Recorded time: **5:41**
